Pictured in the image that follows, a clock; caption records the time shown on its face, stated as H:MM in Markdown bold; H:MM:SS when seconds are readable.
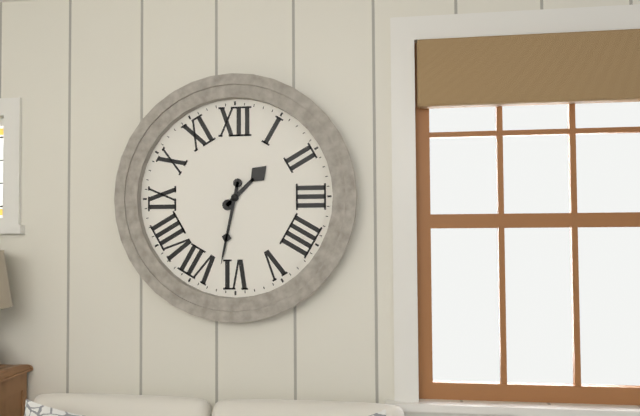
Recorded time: **1:32**
